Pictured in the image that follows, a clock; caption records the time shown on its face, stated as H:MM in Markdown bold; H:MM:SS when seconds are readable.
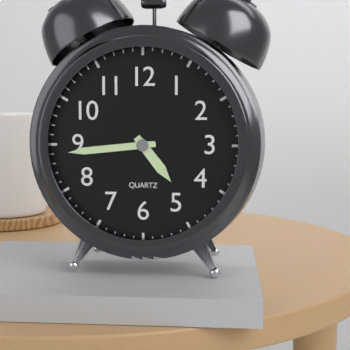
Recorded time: **4:44**
